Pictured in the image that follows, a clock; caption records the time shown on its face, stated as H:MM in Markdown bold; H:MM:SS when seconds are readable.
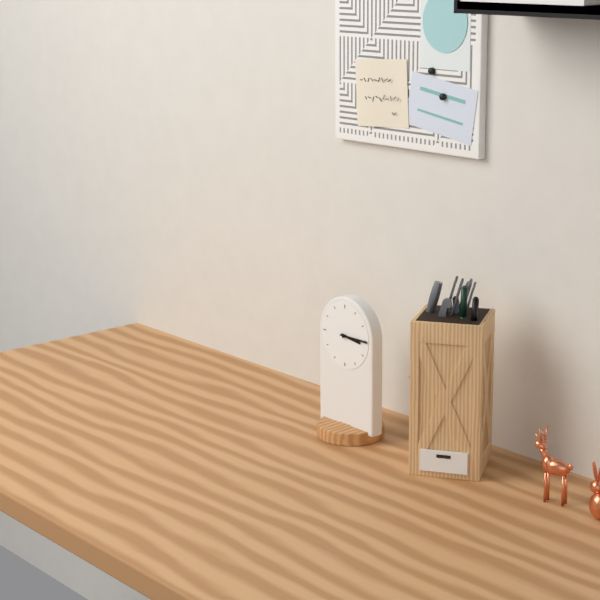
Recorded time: **3:15**
